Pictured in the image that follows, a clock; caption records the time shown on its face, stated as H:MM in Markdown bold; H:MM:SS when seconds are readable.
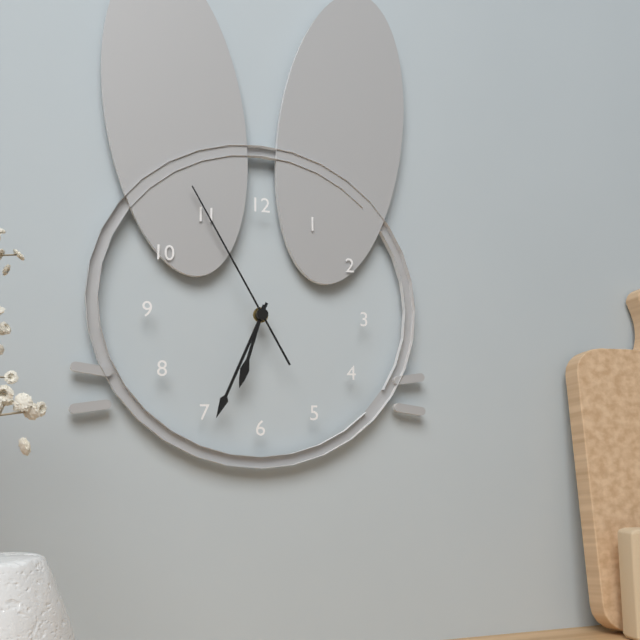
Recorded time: **6:34:55**
